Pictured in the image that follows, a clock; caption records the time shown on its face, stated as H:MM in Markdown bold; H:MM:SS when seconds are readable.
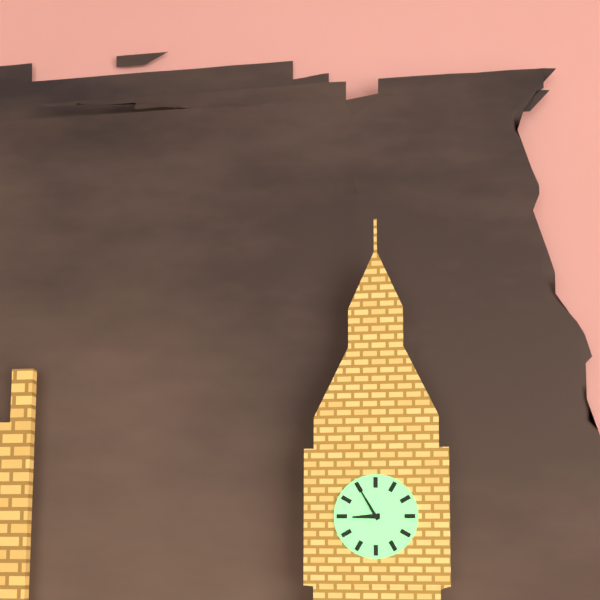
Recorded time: **8:55**
